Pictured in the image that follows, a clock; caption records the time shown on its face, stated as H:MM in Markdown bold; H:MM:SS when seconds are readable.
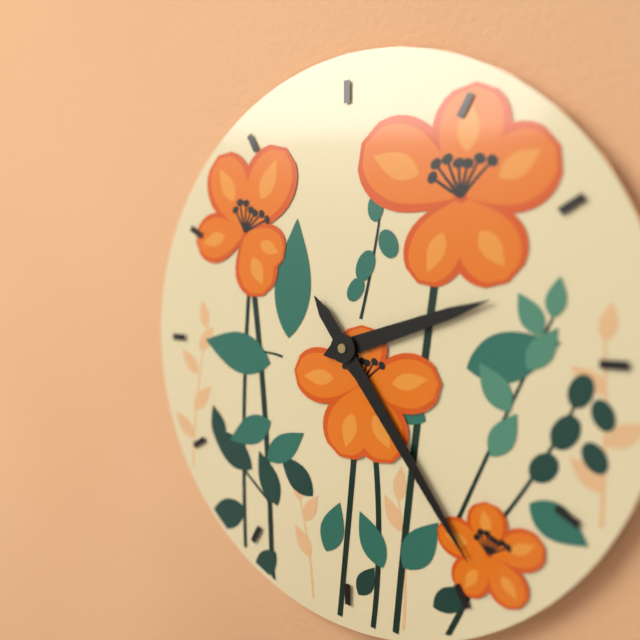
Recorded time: **2:24**
